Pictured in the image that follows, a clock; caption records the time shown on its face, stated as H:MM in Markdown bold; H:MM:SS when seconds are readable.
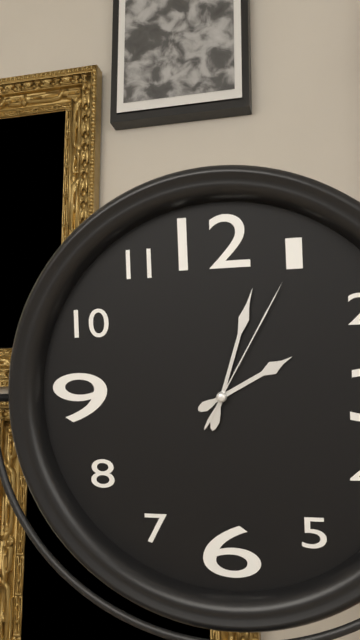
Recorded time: **2:03:05**
